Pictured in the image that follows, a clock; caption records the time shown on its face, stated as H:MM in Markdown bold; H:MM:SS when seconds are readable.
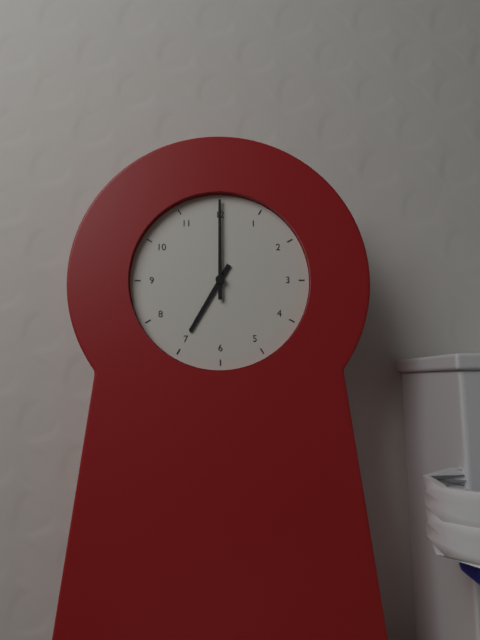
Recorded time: **7:00**
